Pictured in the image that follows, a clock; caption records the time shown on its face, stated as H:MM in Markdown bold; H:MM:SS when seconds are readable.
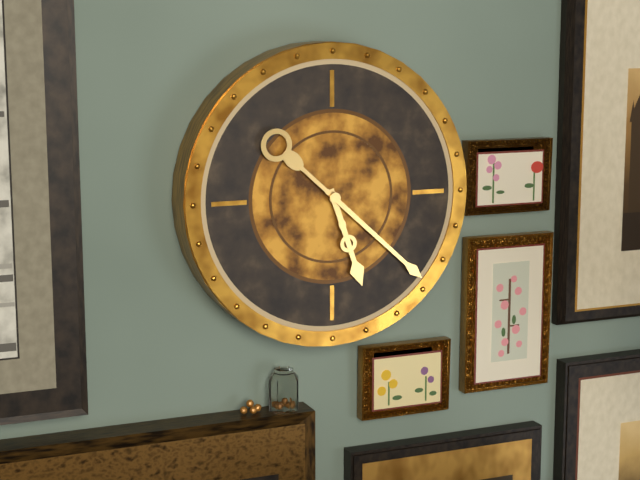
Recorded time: **5:22**
